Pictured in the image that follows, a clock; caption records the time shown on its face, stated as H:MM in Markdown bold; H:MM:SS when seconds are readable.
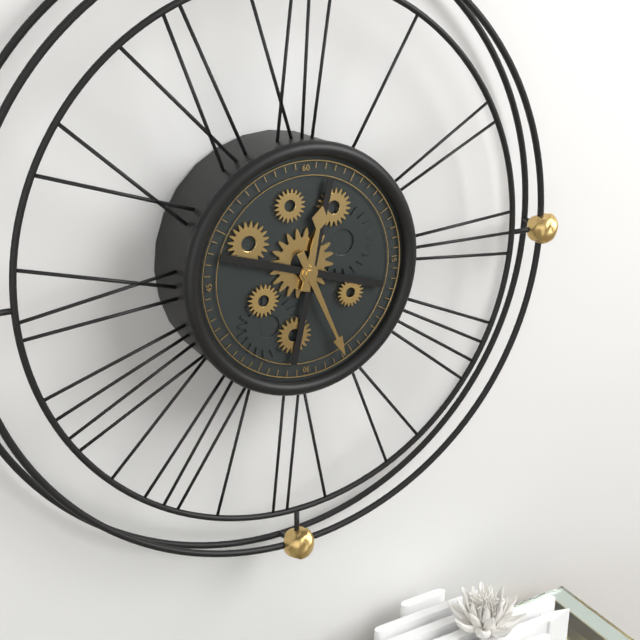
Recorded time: **12:26**
